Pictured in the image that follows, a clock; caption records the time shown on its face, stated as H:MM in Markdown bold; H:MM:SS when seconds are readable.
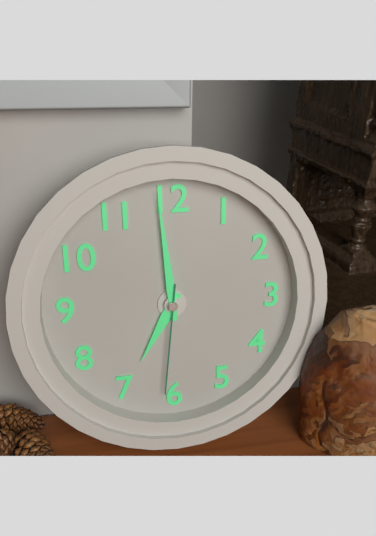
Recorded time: **6:59:31**
